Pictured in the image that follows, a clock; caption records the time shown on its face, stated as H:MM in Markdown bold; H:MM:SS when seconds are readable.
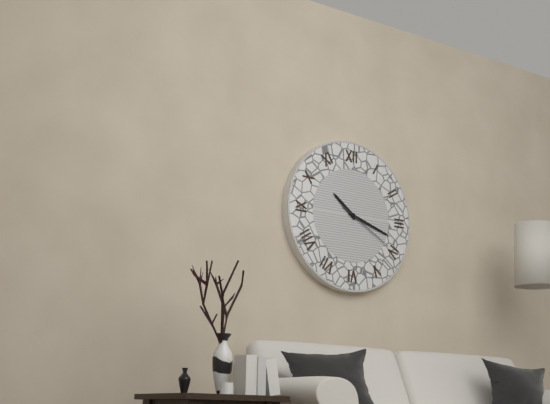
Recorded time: **10:18:20**
